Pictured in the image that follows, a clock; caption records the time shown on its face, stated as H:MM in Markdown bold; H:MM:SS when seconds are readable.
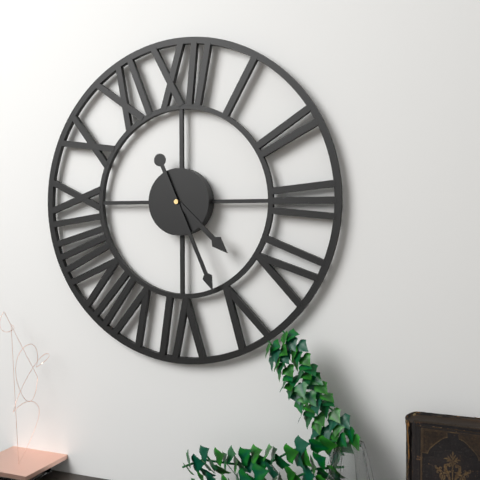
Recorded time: **4:26**
